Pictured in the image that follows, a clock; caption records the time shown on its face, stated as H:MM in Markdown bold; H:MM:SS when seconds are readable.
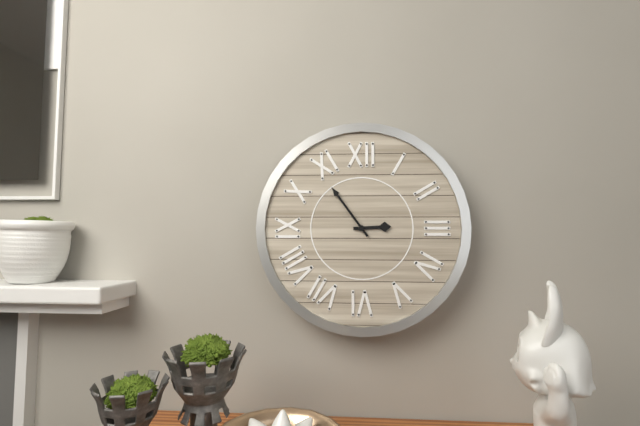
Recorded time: **2:54**
